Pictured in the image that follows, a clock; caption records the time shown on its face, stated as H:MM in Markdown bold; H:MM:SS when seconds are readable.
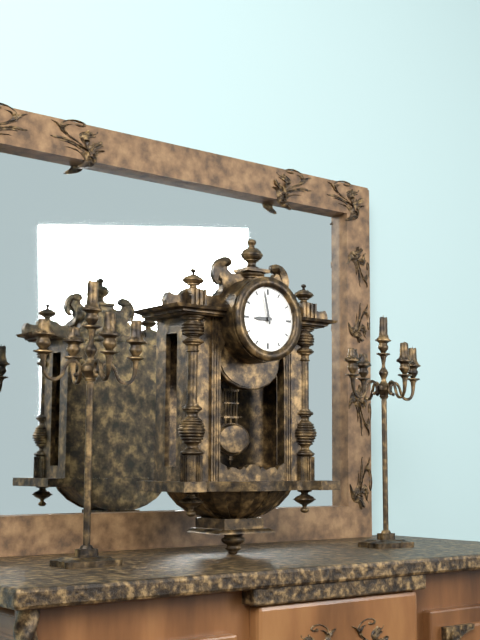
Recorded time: **8:58**
